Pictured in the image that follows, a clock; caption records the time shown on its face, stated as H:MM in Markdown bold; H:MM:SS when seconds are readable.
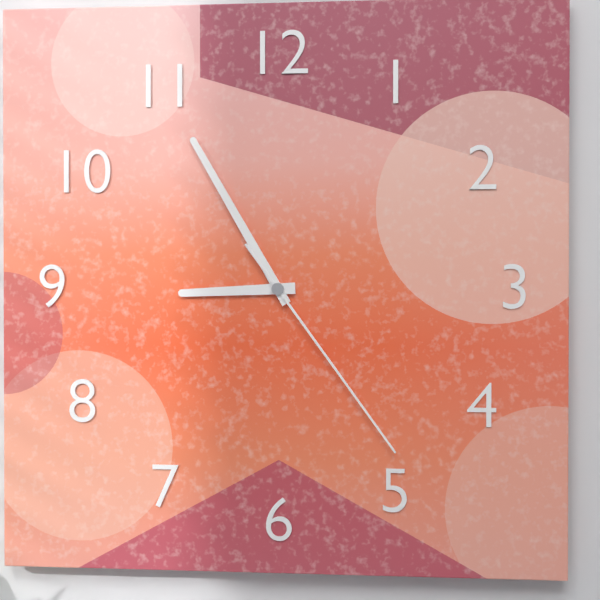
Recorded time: **8:55:24**
